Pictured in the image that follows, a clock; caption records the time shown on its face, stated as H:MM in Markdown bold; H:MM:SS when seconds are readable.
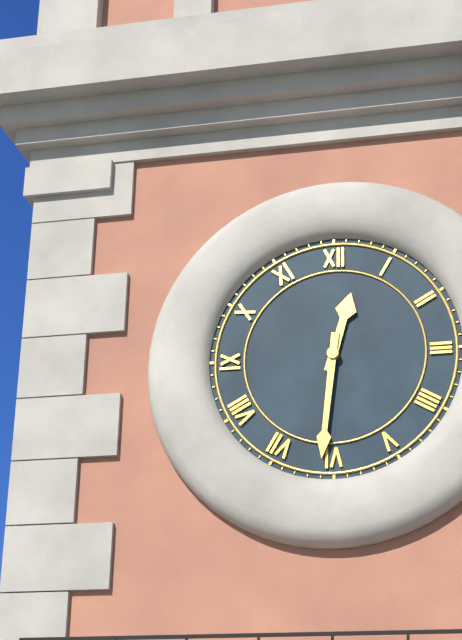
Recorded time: **12:31**
